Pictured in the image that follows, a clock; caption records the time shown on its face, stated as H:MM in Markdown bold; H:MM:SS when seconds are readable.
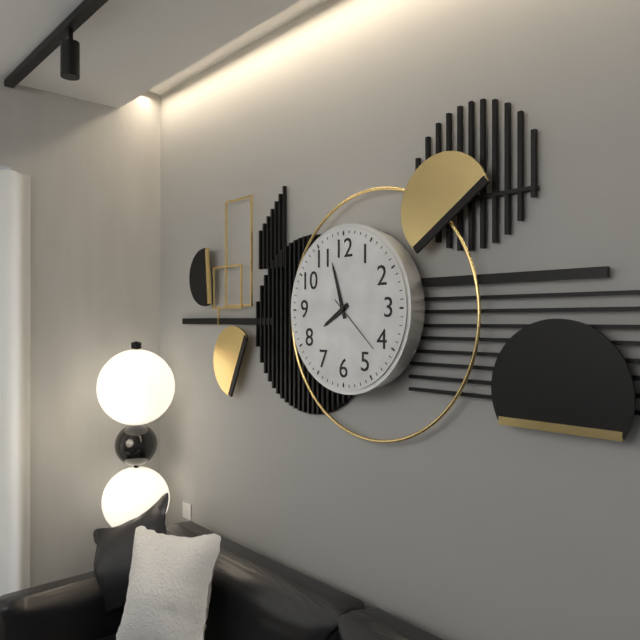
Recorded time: **7:57:22**
